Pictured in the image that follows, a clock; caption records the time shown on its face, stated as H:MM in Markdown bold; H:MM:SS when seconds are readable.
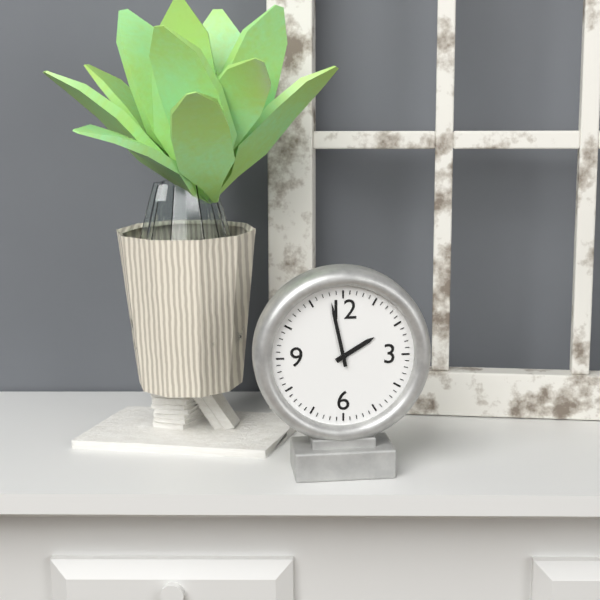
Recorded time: **1:58**
